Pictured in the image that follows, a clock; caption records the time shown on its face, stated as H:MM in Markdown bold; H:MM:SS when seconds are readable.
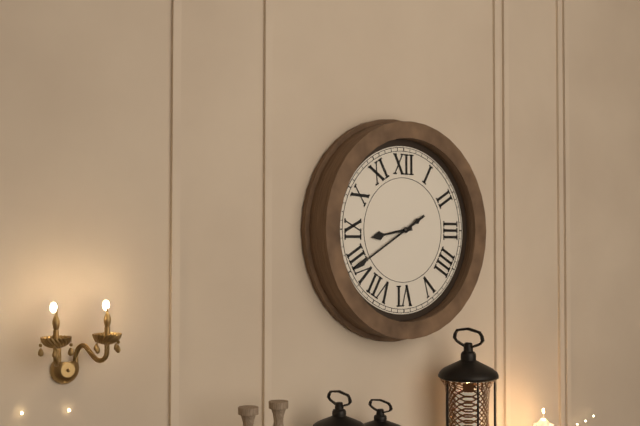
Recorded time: **8:40**
